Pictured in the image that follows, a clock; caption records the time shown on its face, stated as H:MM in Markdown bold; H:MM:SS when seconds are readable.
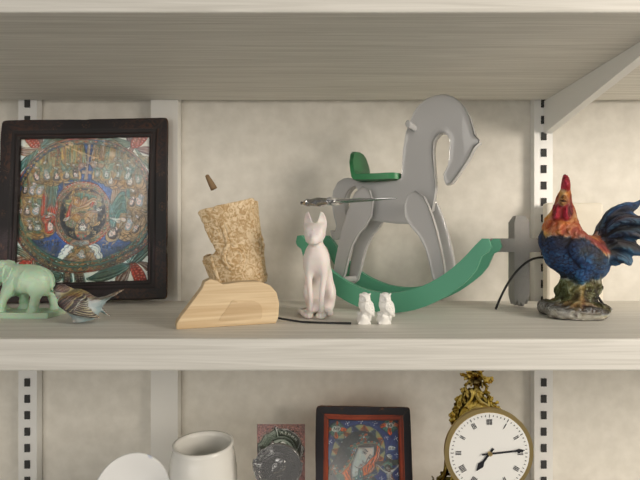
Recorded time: **7:14**
